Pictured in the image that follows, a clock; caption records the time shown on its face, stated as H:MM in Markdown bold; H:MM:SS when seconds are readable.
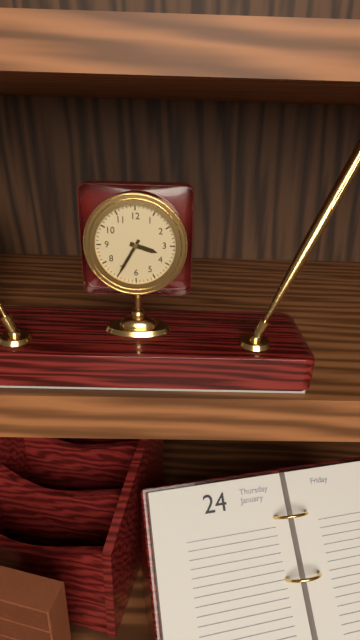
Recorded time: **3:35**
